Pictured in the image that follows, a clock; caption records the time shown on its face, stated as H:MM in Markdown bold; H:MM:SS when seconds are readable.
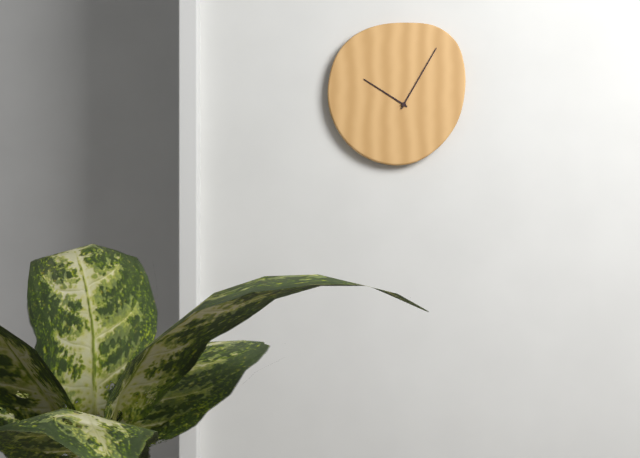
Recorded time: **10:05**
